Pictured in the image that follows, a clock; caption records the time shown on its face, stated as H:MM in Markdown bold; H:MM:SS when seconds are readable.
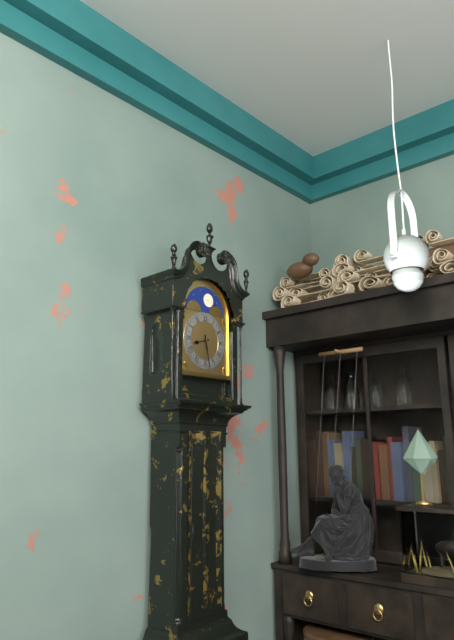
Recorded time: **8:28**
